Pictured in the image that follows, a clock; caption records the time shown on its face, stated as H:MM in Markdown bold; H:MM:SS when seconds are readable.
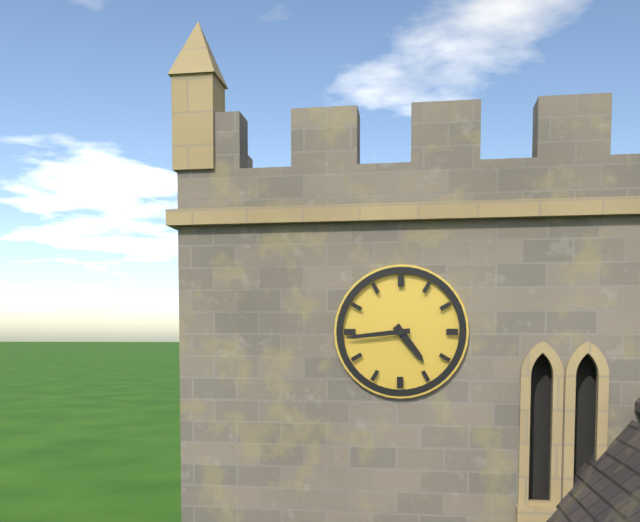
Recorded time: **4:44**
